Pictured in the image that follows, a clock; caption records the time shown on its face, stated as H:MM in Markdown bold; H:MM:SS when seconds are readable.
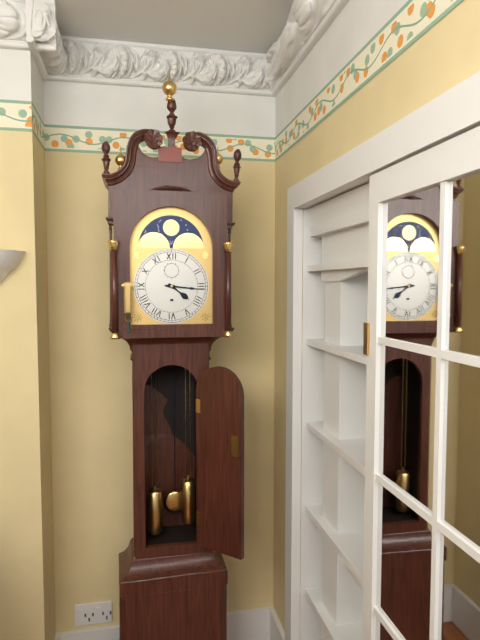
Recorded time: **4:16**
